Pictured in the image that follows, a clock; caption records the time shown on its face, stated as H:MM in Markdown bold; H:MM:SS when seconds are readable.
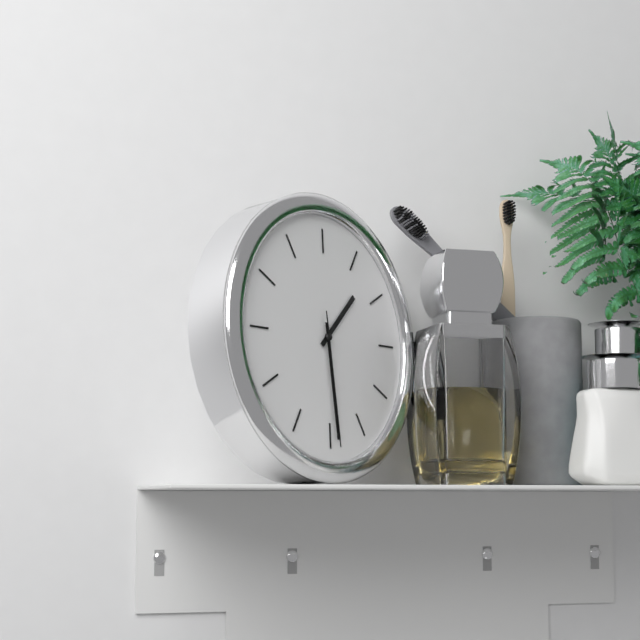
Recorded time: **1:29:29**
